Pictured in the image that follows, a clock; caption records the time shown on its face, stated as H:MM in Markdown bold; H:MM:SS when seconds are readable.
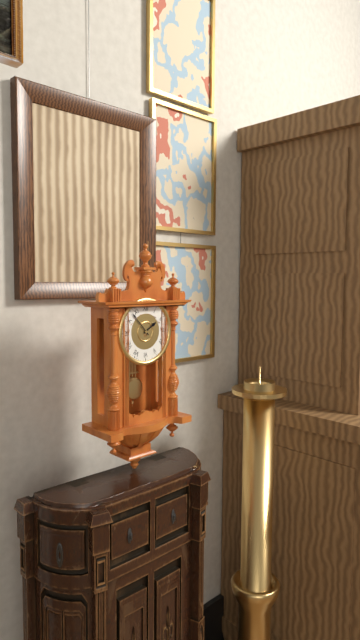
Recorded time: **1:53**
